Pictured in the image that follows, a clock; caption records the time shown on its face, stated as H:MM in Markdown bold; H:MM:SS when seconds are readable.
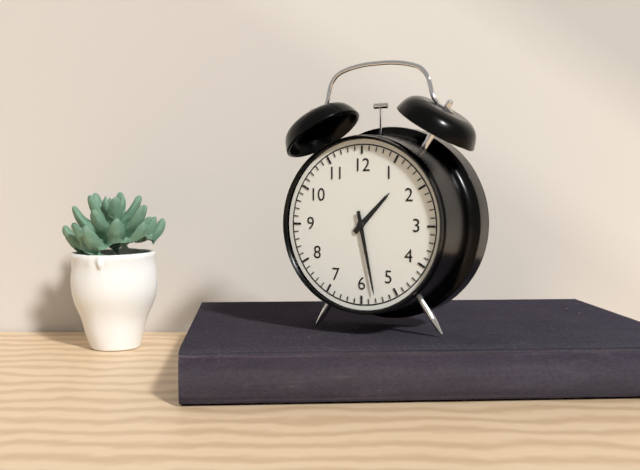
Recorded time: **1:28**
